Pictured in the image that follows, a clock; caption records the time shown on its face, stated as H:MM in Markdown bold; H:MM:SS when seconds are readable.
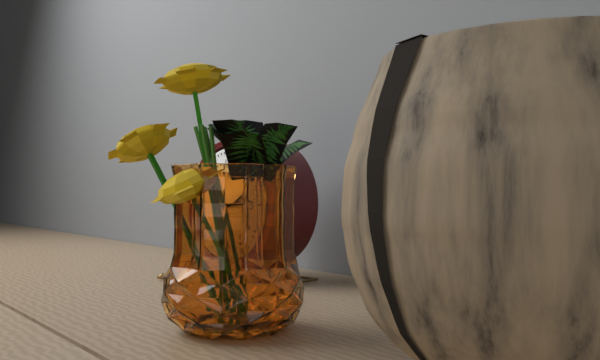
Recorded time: **2:14**
